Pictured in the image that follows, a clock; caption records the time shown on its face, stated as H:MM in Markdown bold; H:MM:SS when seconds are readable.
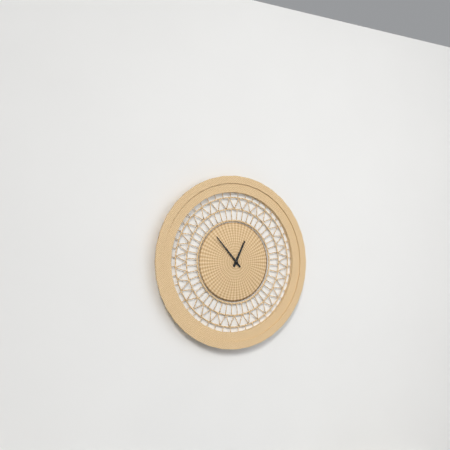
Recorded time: **12:53**
